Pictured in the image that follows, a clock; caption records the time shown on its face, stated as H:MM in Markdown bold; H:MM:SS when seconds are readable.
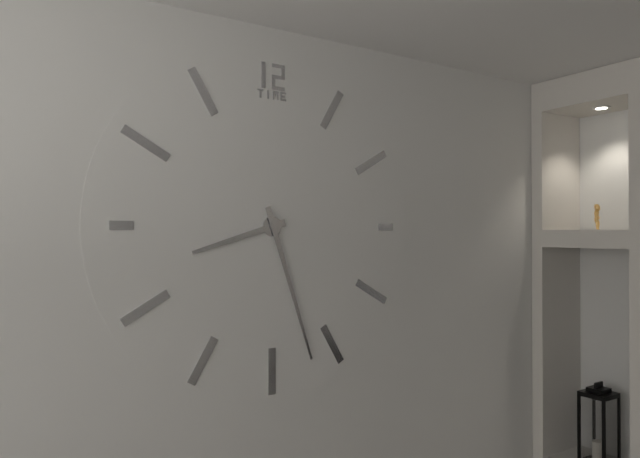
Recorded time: **8:27**
